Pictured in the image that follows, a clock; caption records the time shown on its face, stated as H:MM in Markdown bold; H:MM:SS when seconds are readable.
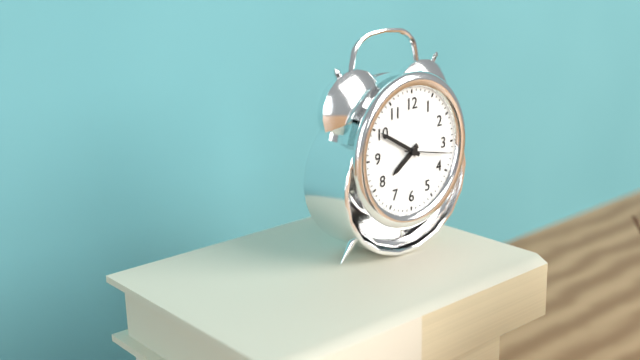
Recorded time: **7:50**
